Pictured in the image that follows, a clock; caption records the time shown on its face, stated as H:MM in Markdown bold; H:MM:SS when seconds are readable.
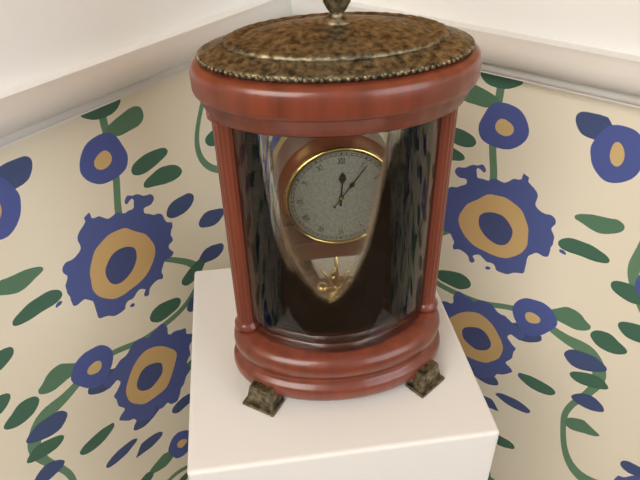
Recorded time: **12:06**
